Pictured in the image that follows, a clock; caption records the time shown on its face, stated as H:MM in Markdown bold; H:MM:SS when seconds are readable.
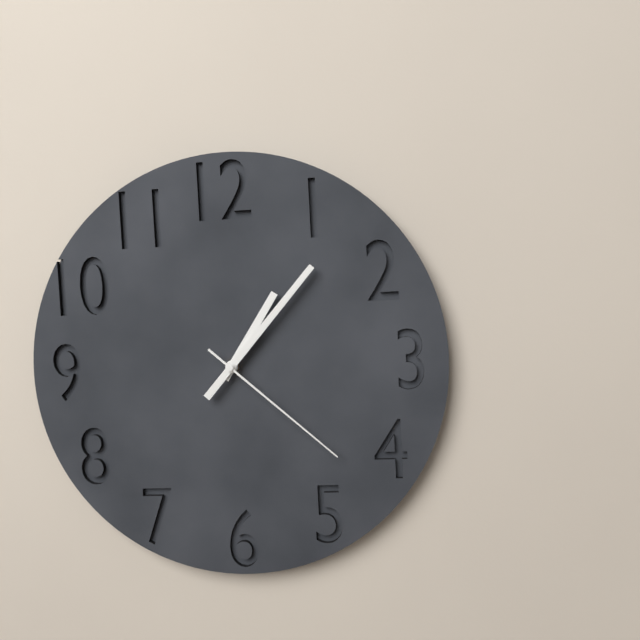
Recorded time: **1:07:22**
